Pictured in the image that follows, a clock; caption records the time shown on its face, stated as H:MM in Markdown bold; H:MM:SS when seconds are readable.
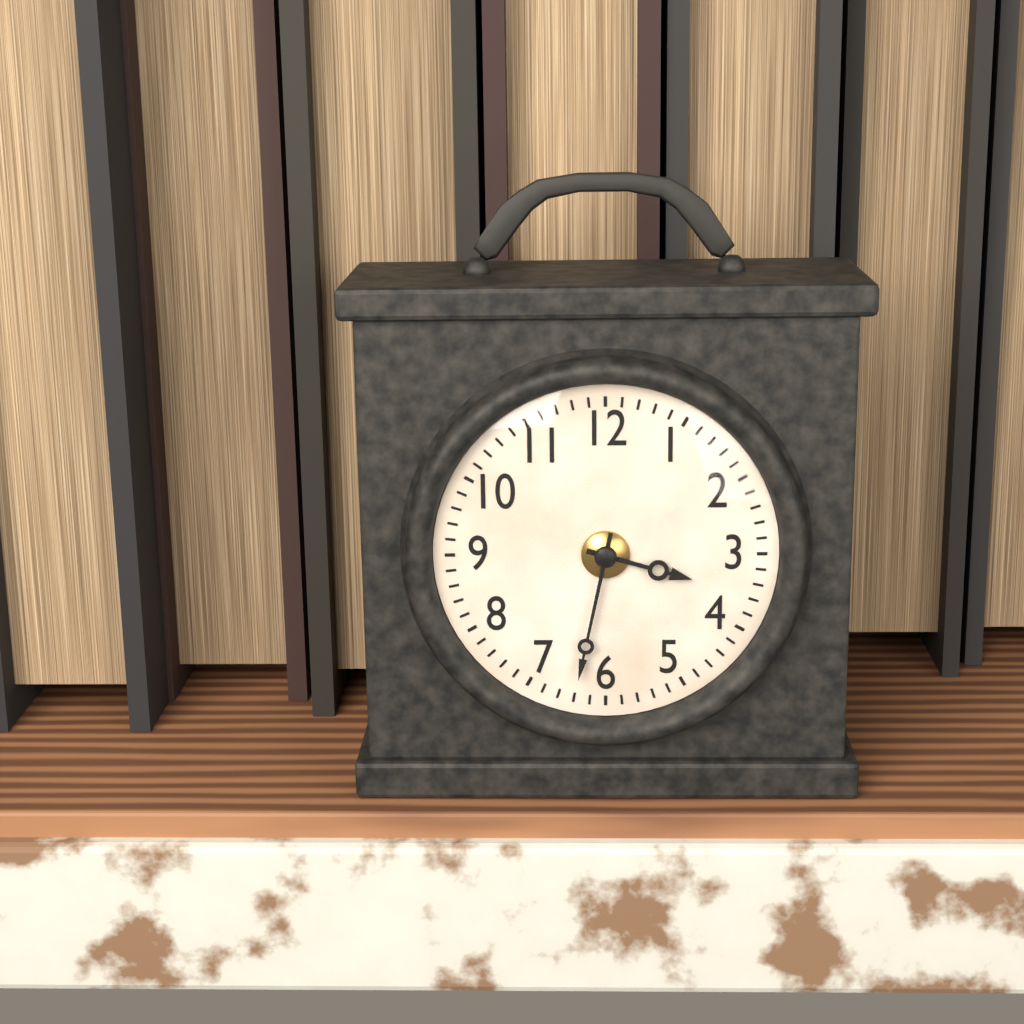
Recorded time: **3:32**
